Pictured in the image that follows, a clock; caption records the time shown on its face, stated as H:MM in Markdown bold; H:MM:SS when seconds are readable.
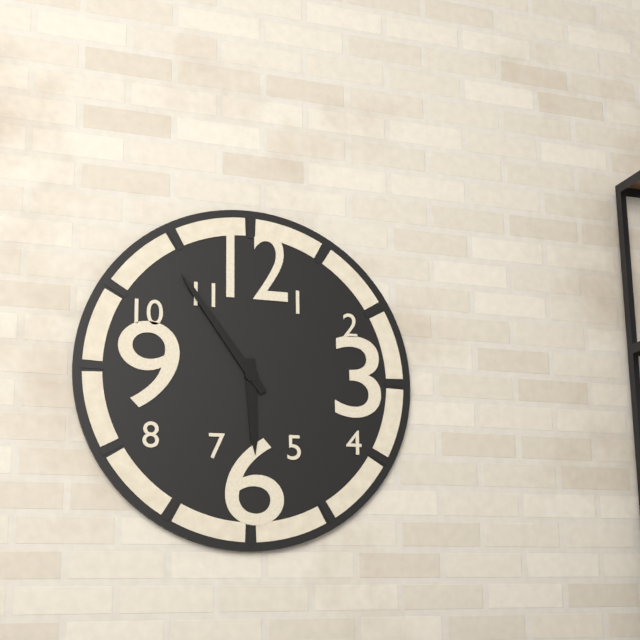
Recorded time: **5:54**
